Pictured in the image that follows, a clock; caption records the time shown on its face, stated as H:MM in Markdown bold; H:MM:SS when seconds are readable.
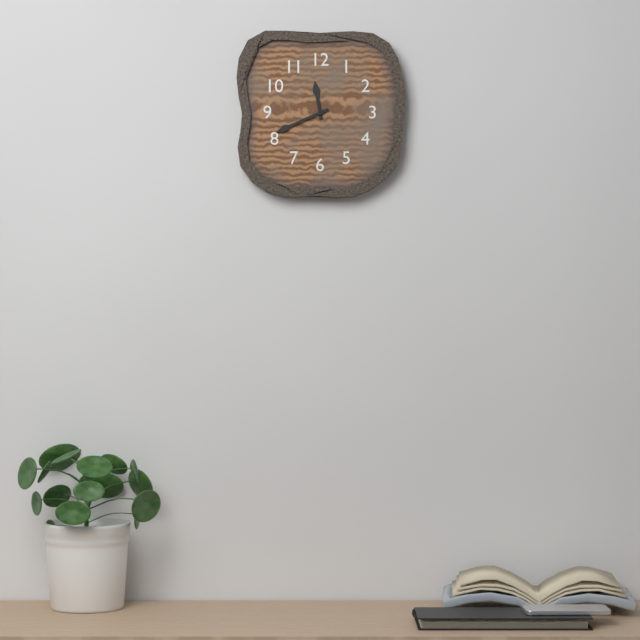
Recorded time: **11:41**
